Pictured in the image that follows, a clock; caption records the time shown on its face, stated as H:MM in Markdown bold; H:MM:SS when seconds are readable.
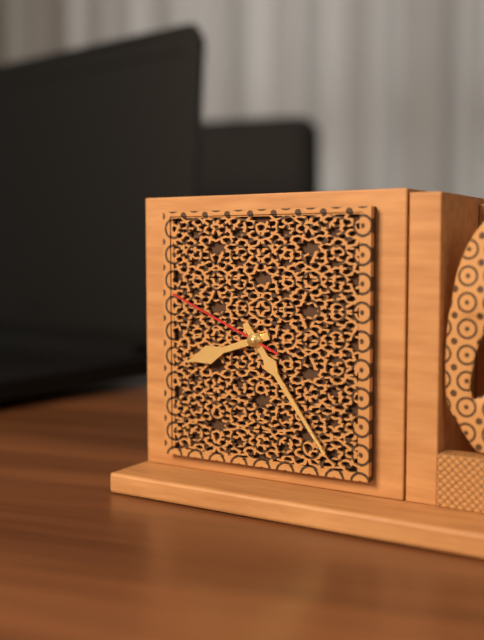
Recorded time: **8:24:49**
